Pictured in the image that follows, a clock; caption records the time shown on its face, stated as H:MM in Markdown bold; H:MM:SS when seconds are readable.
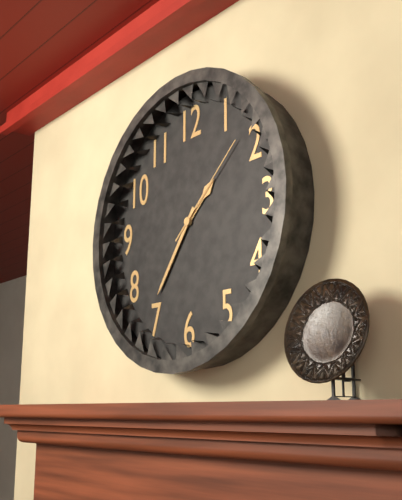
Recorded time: **1:36:08**
